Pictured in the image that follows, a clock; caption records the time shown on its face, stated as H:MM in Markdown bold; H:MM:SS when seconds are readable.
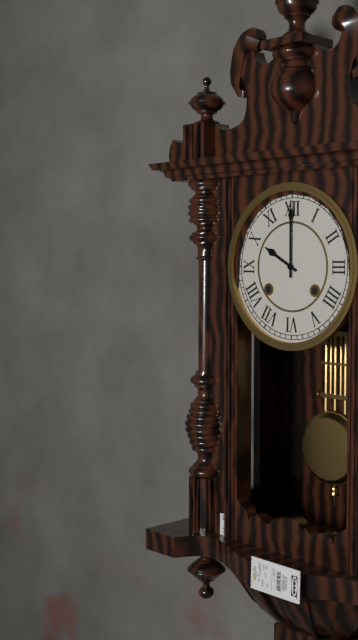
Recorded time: **10:00**
